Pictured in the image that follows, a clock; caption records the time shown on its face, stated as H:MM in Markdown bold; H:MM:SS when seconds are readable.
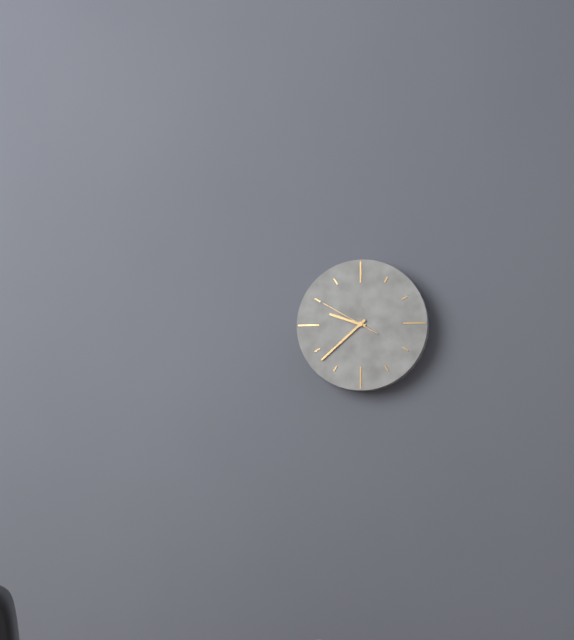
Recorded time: **9:38:50**
